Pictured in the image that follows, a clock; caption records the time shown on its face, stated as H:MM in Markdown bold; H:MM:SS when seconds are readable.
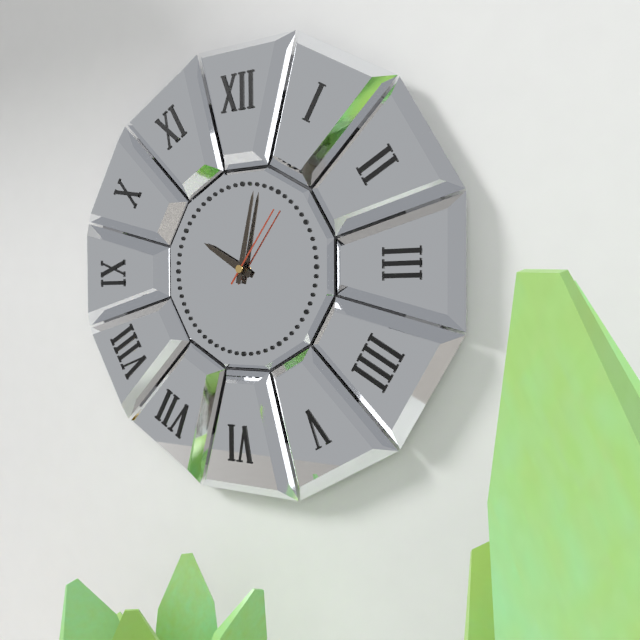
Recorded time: **10:02:06**
